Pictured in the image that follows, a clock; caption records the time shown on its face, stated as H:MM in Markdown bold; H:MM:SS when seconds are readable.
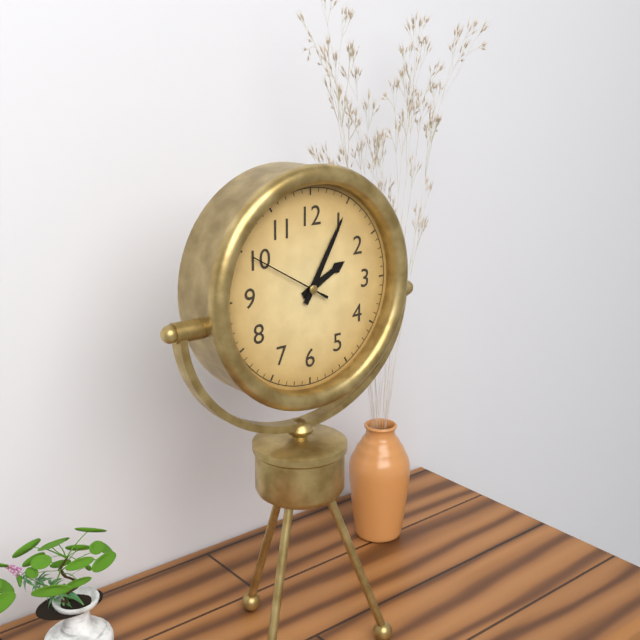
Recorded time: **2:05:50**
